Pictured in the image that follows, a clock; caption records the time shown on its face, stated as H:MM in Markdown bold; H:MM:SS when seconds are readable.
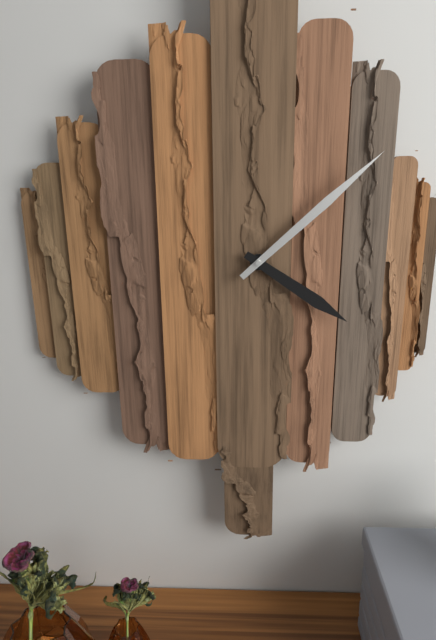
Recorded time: **4:08**
